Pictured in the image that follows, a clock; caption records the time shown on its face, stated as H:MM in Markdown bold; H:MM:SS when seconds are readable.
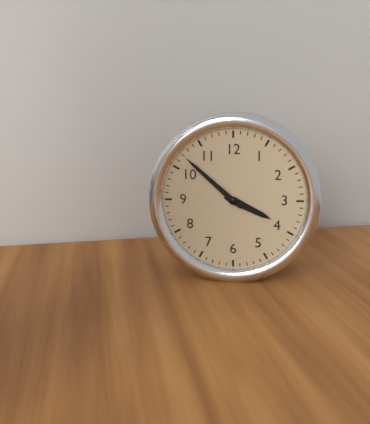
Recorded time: **3:52**
